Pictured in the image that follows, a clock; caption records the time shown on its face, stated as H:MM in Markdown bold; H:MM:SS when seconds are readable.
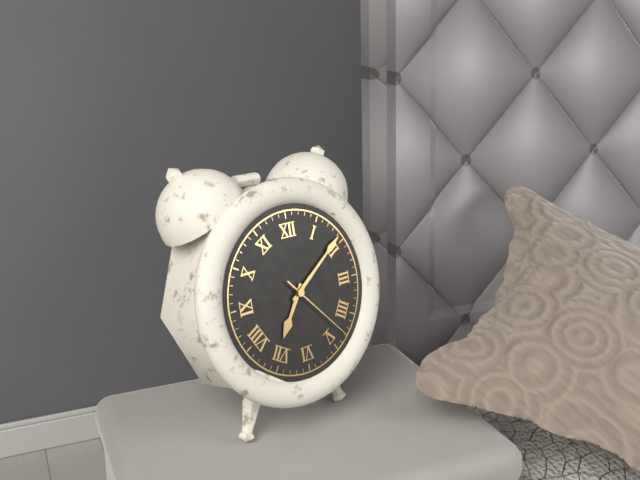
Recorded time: **7:09:23**
